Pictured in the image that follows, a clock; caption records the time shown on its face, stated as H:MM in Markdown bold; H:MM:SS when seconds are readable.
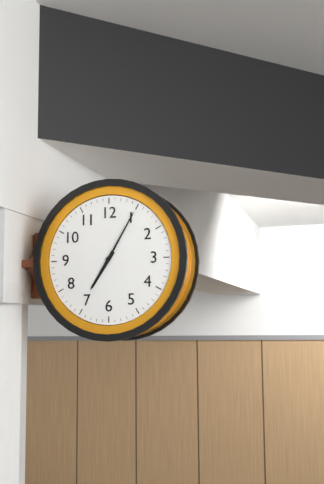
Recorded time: **7:05**
